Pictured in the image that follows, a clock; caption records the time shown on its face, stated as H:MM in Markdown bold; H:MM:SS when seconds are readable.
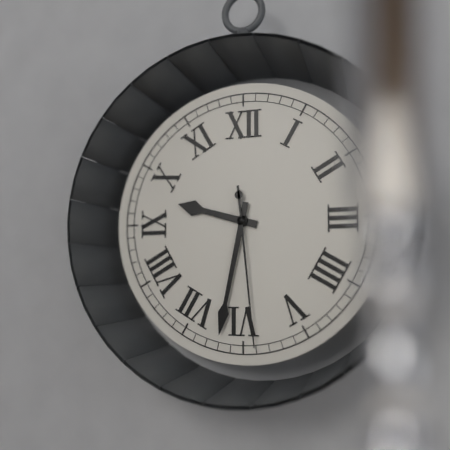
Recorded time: **9:32:29**
